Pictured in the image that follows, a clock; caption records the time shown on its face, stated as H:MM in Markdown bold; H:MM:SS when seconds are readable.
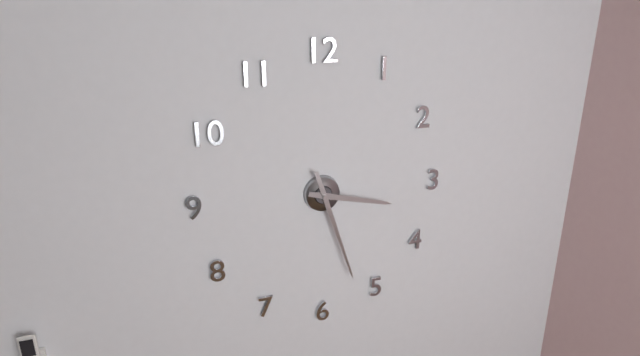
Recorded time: **3:27**
